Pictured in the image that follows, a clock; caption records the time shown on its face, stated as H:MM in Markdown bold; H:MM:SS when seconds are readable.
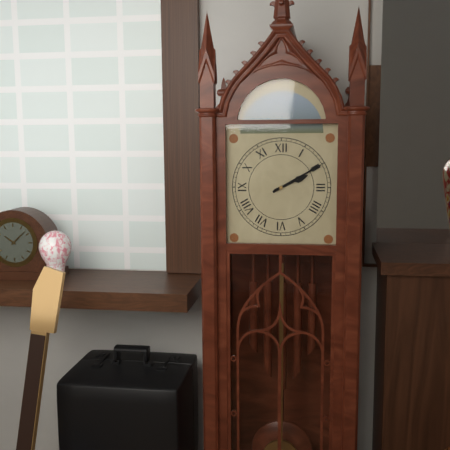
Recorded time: **2:10**
